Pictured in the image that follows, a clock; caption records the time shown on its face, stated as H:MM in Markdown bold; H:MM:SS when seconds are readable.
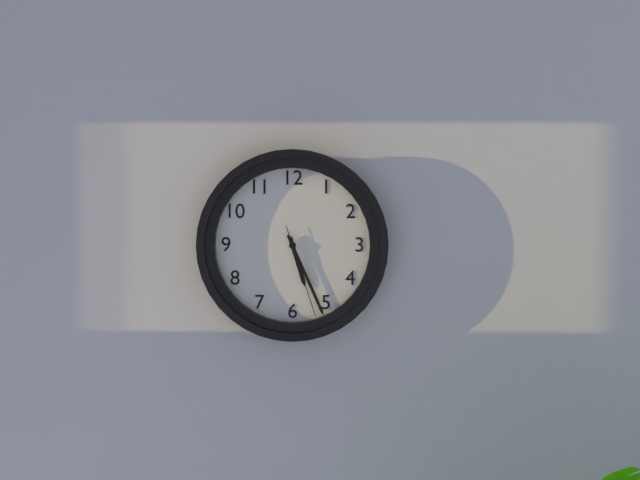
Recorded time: **5:26:27**
